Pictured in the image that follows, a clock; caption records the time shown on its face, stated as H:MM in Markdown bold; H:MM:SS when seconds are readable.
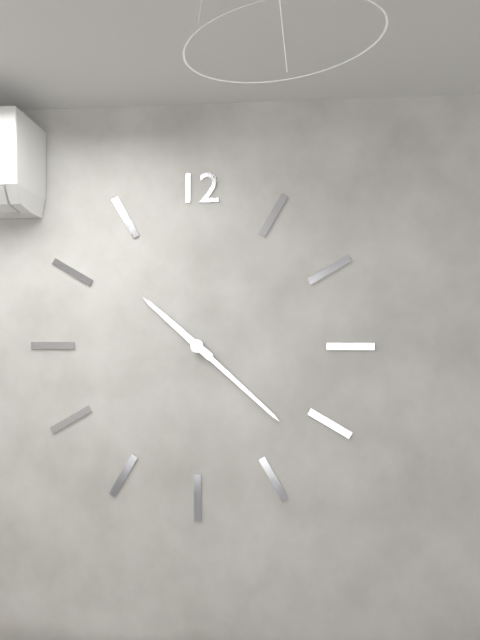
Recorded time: **10:22**
